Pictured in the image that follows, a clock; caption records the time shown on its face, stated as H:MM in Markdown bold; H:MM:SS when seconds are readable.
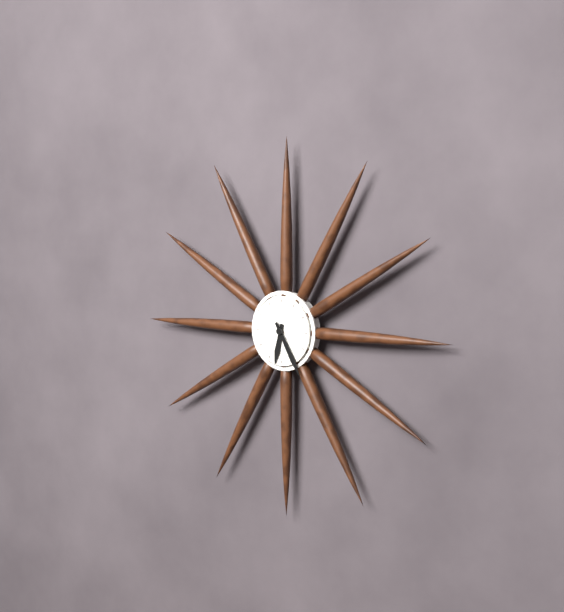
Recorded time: **6:25**
